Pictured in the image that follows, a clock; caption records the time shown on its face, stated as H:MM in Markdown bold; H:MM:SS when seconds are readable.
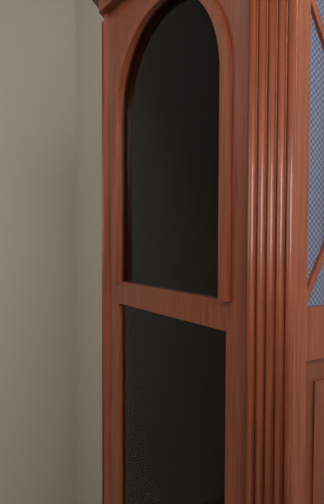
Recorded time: **12:18**
